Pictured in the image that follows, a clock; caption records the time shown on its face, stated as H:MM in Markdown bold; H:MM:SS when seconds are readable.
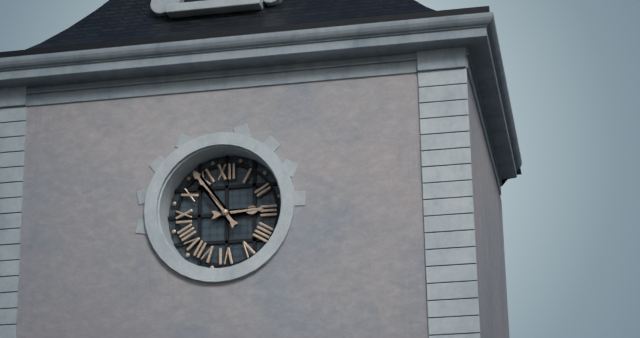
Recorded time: **2:54**
